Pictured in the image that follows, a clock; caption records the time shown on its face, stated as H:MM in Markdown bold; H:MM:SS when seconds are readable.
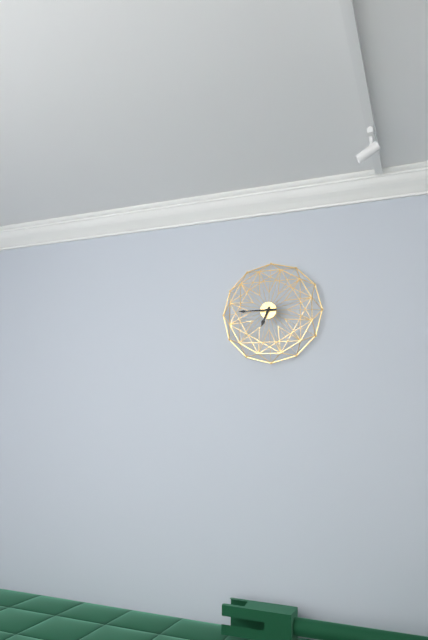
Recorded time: **6:45**
